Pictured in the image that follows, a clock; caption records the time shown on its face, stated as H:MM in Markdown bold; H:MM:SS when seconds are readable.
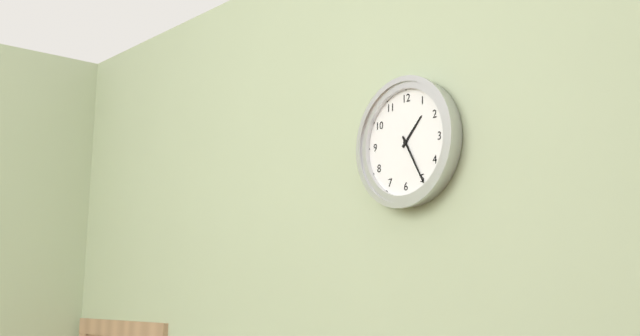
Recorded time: **1:25**
